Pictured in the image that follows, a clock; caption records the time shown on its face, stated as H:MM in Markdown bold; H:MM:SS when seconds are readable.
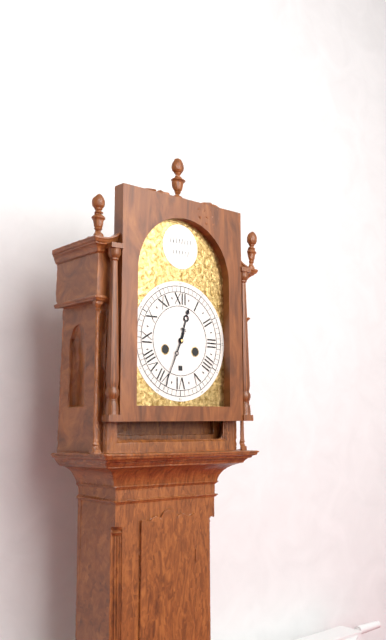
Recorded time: **12:34**
